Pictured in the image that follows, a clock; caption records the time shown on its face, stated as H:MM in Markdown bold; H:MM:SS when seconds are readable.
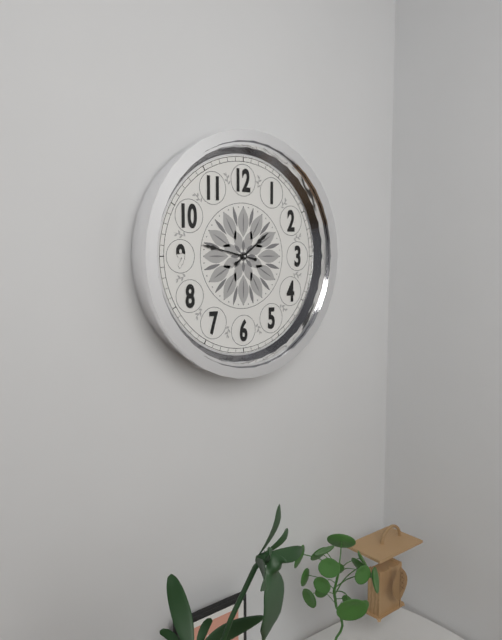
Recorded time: **1:47**
